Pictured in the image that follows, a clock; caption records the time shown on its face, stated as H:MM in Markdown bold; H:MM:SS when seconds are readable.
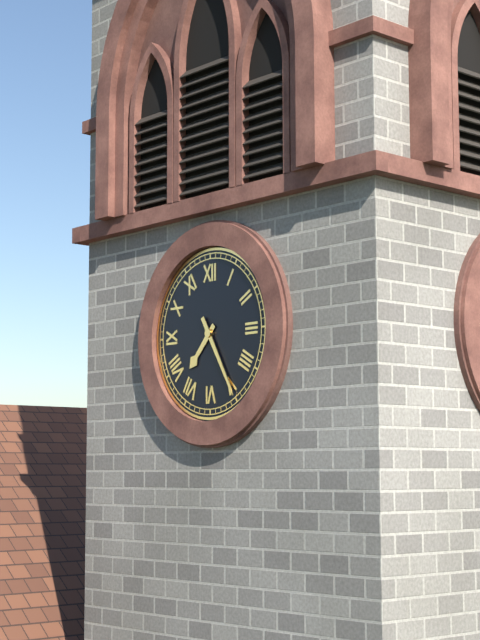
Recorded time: **7:25**
